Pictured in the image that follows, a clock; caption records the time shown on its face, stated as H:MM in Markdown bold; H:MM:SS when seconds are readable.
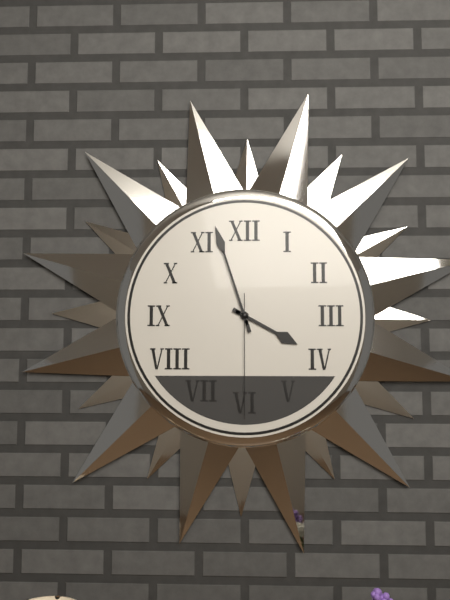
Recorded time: **3:57:30**
